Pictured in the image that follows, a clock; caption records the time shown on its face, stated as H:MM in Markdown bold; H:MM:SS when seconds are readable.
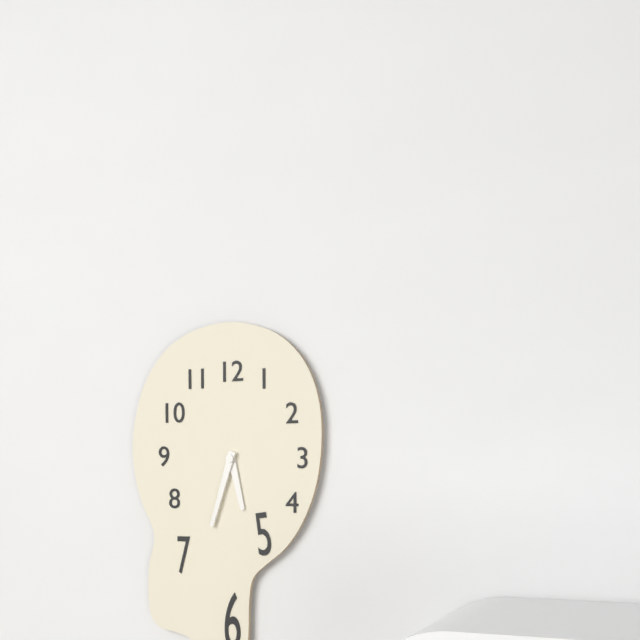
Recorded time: **5:33**
